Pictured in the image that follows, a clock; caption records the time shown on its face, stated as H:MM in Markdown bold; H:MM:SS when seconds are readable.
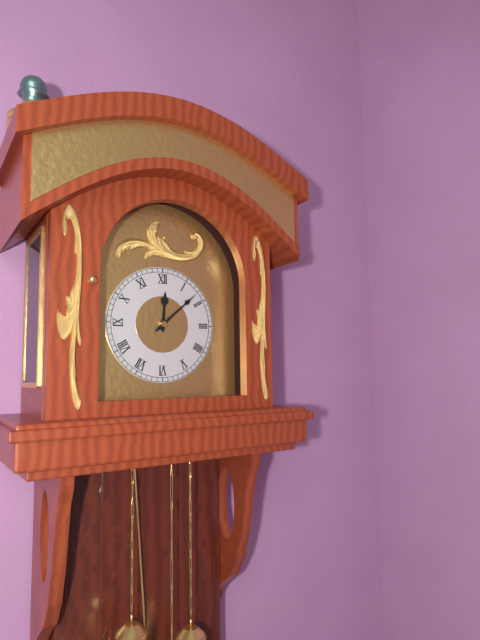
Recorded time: **12:08**
